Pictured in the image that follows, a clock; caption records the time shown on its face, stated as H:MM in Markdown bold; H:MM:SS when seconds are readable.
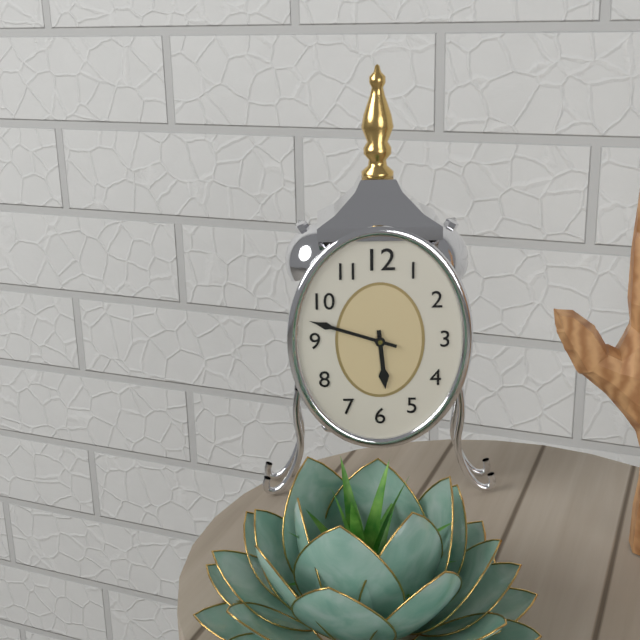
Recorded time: **5:48**
